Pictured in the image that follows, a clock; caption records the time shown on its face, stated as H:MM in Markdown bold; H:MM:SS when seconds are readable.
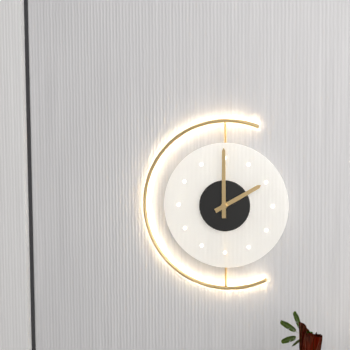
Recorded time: **2:00**
